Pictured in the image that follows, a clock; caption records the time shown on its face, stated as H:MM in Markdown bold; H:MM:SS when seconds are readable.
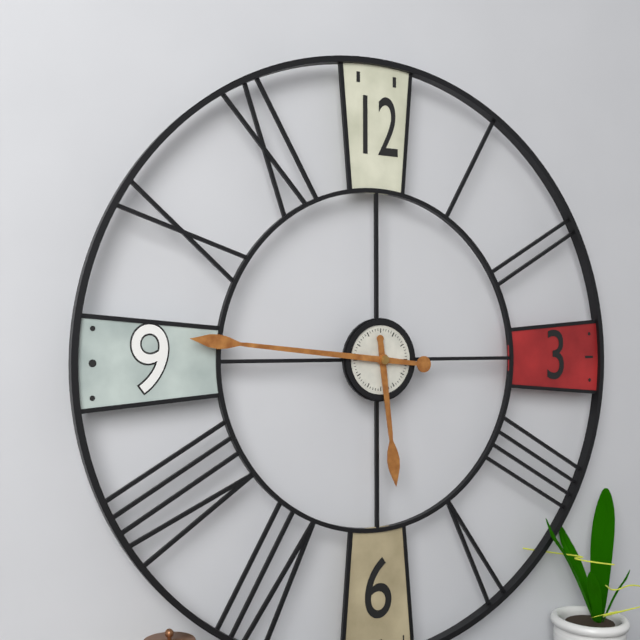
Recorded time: **5:46**
